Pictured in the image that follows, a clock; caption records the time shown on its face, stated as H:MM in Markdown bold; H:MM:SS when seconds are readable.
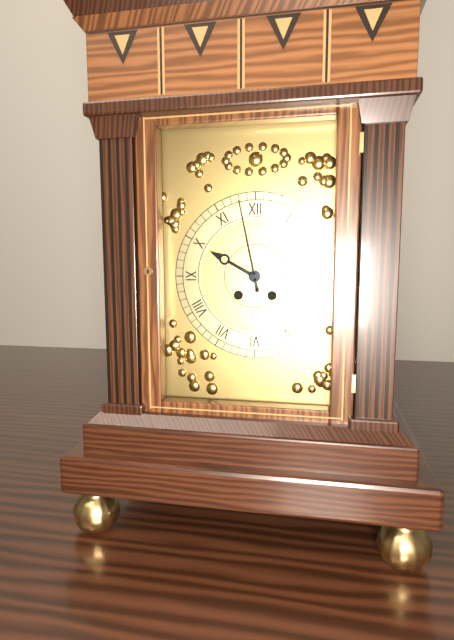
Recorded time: **9:58**
